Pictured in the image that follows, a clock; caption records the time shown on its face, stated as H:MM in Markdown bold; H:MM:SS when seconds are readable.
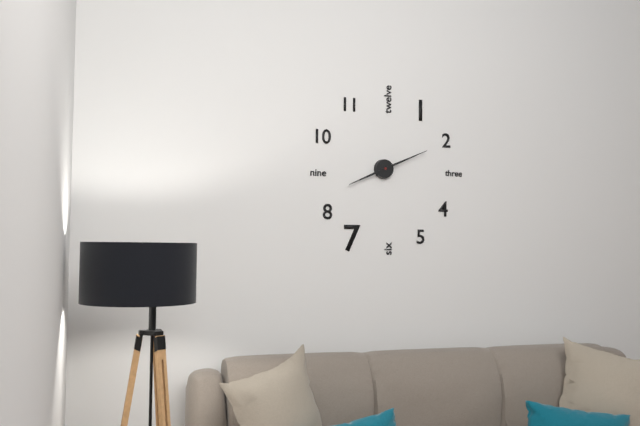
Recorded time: **8:11**
